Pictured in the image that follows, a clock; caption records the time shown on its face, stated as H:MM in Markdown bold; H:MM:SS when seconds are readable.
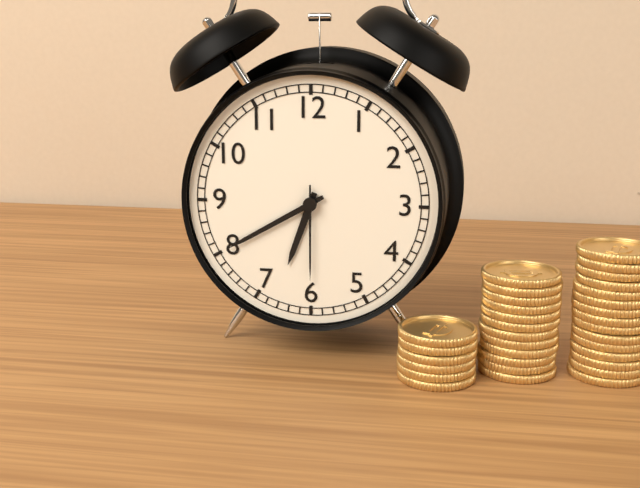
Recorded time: **6:40:30**
